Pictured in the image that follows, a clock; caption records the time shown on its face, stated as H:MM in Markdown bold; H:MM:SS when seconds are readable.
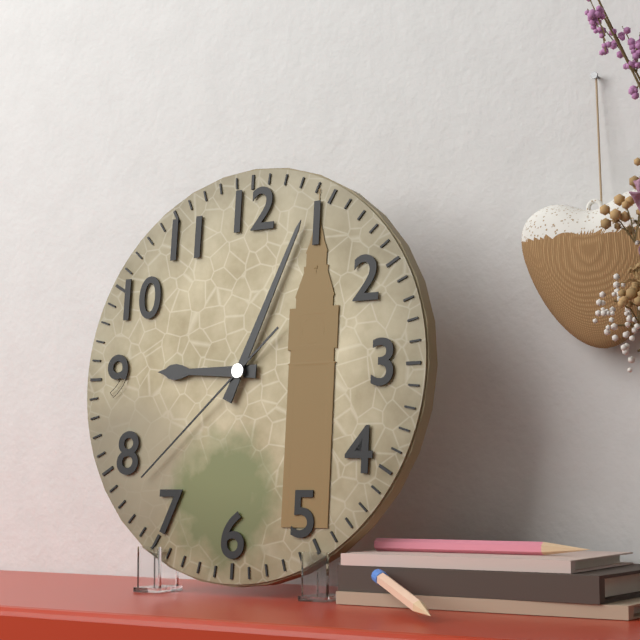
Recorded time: **9:04:38**
